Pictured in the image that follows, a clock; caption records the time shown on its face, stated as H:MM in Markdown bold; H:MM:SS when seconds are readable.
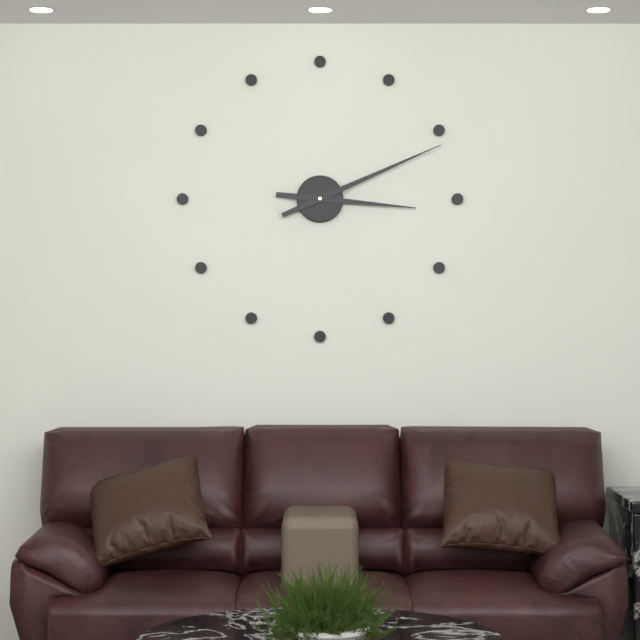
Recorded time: **3:11**
